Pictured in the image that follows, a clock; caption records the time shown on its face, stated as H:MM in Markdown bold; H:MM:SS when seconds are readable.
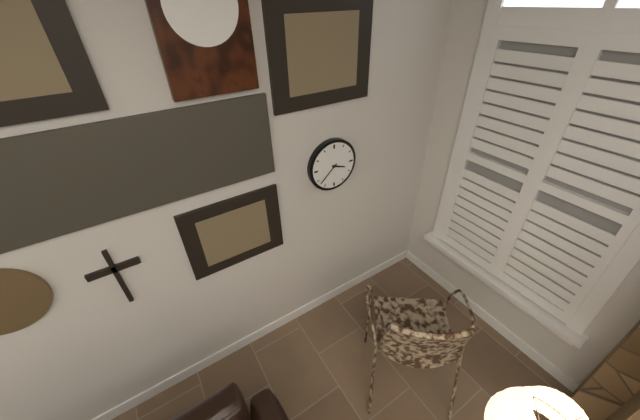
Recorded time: **3:38**
